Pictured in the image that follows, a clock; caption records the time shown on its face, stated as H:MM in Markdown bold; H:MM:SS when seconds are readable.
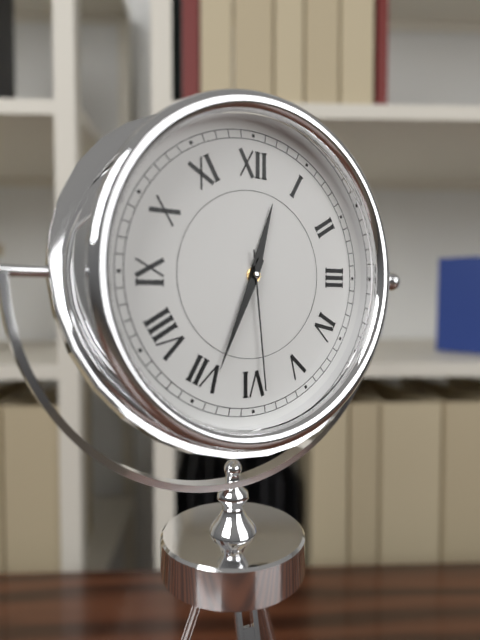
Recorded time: **12:34:29**
